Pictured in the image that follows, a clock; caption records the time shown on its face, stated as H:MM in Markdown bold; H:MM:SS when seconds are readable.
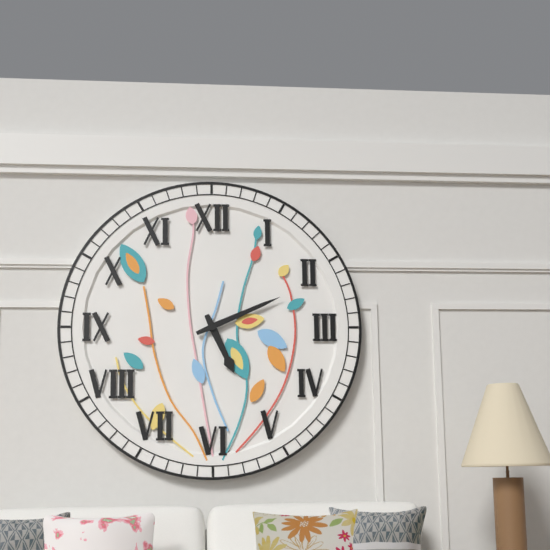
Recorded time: **5:11**
